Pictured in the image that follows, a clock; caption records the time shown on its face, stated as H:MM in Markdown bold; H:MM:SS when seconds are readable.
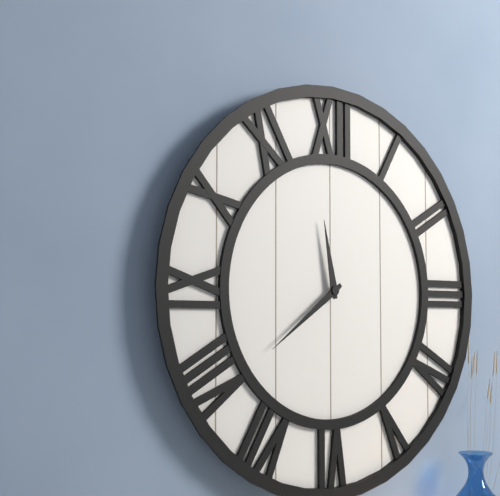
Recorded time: **11:39**
